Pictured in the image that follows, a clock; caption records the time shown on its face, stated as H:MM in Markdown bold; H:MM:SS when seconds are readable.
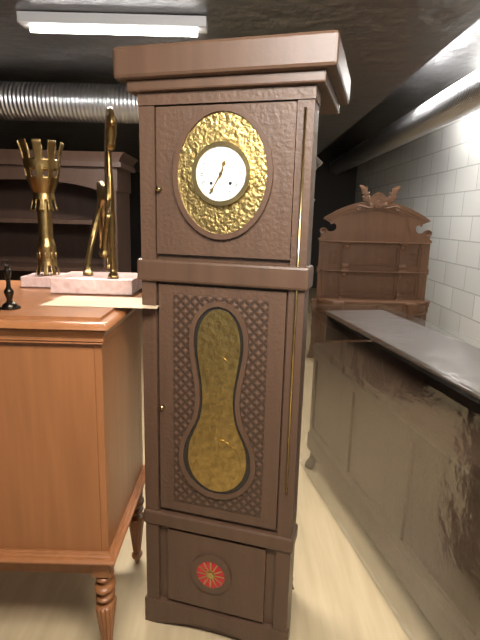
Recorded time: **12:35**
